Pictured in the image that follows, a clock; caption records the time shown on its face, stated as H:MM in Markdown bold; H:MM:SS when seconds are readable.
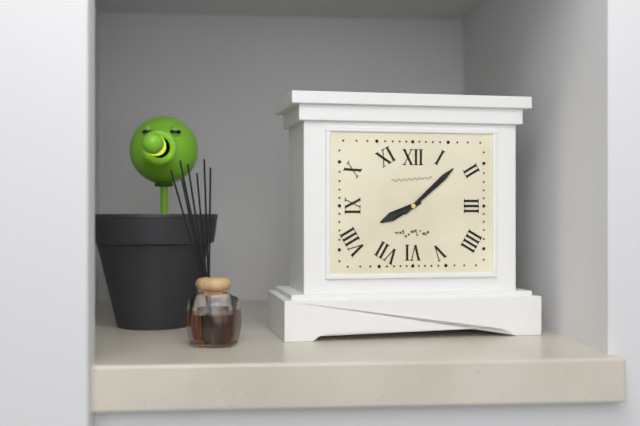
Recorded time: **8:08**
